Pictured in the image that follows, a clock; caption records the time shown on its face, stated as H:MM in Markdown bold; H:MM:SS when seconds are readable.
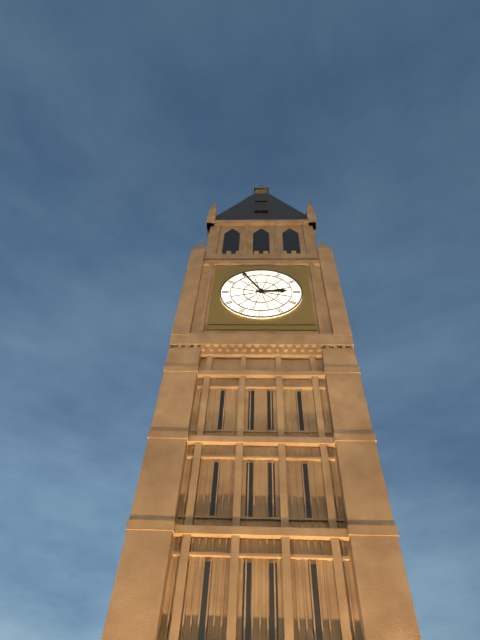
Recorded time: **2:55**
